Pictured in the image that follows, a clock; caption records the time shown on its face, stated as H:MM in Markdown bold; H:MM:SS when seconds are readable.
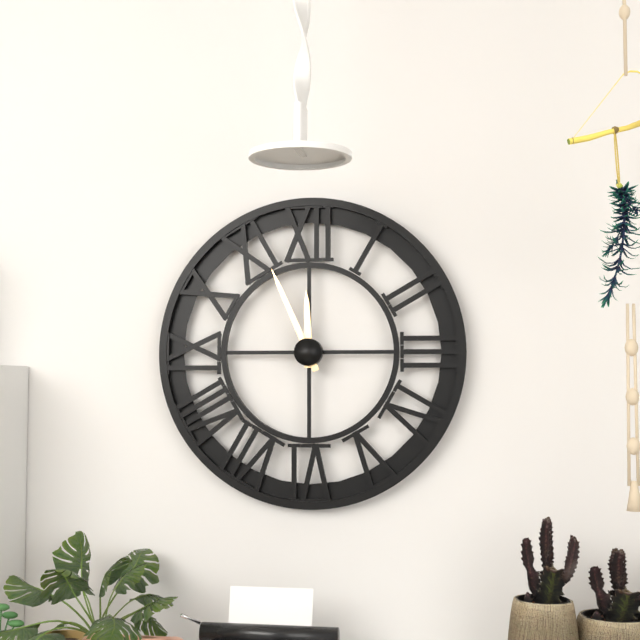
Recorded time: **11:56**
